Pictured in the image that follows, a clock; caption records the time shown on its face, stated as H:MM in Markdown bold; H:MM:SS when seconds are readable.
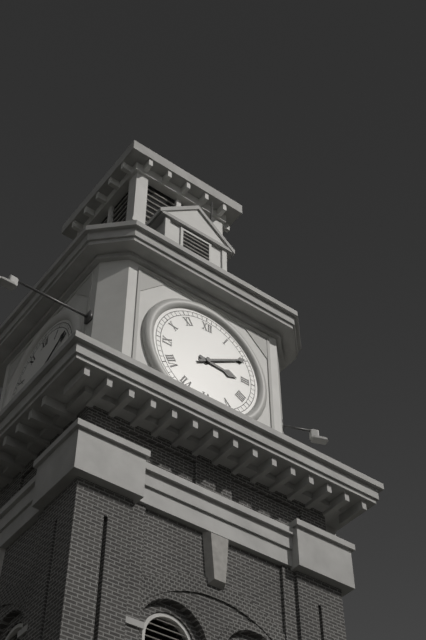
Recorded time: **3:10**
